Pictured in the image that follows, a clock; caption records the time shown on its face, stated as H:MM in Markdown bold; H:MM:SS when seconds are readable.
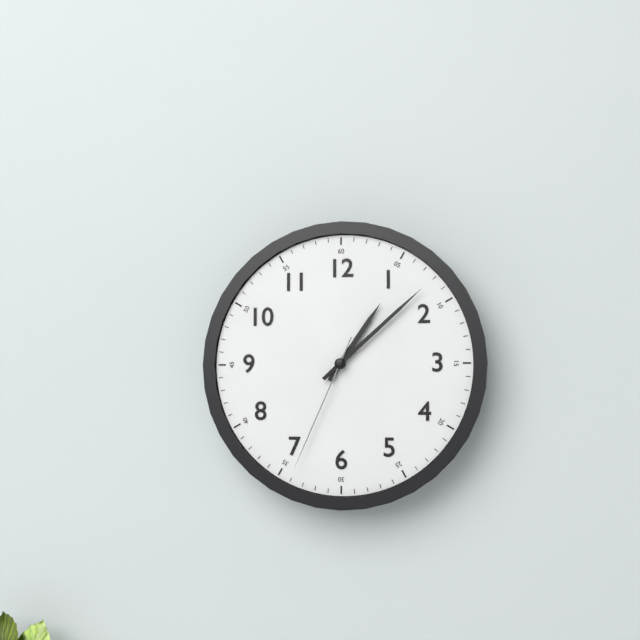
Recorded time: **1:08:34**
